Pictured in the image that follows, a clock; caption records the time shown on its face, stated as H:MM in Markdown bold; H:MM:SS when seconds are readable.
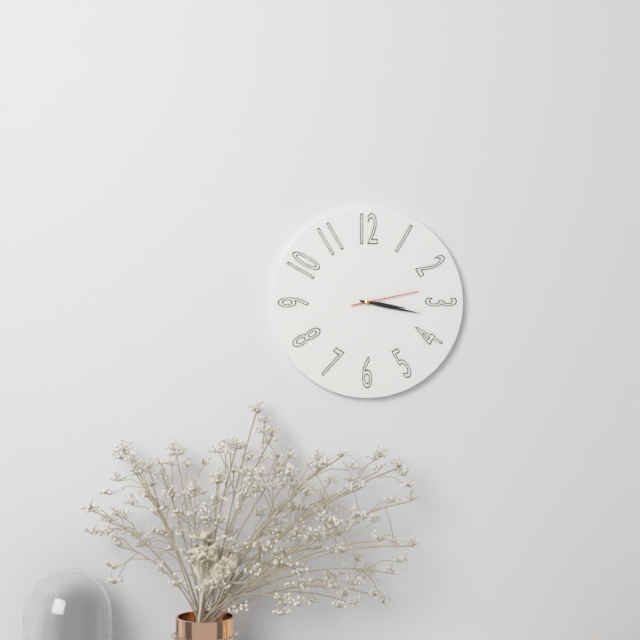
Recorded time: **3:17:13**
